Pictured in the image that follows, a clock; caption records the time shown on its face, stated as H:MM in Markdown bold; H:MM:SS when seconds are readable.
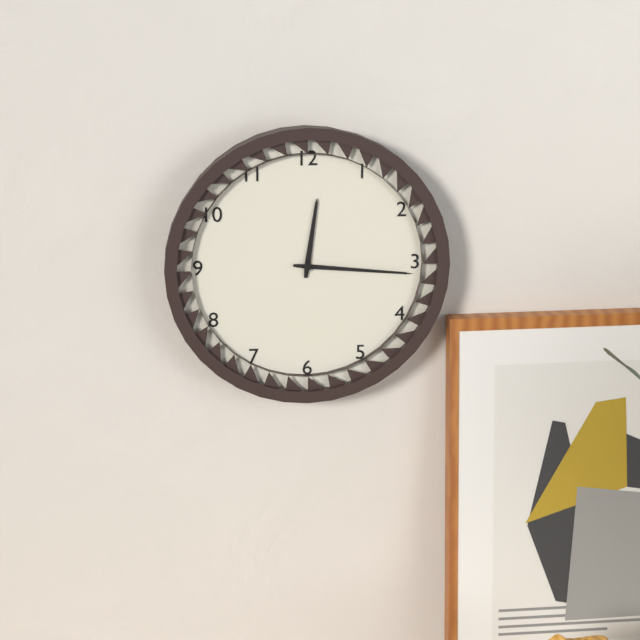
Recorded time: **12:16**
